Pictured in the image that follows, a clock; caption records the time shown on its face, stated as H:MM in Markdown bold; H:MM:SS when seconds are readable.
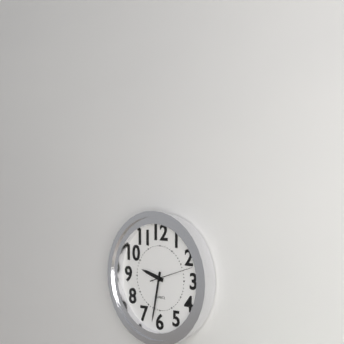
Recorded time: **9:32**
